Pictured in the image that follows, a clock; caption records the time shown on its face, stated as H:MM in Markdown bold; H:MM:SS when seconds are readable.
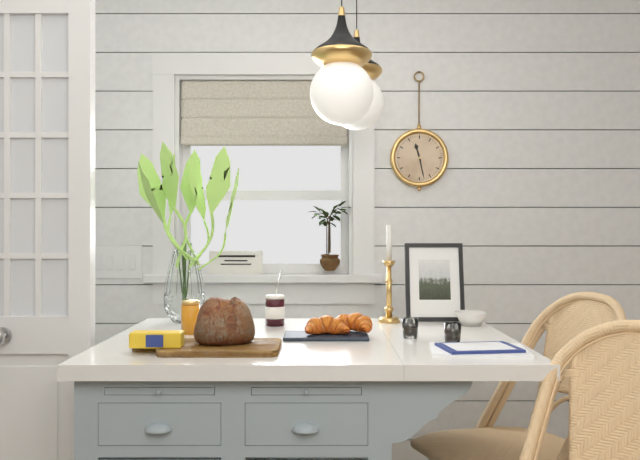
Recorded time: **11:28**
